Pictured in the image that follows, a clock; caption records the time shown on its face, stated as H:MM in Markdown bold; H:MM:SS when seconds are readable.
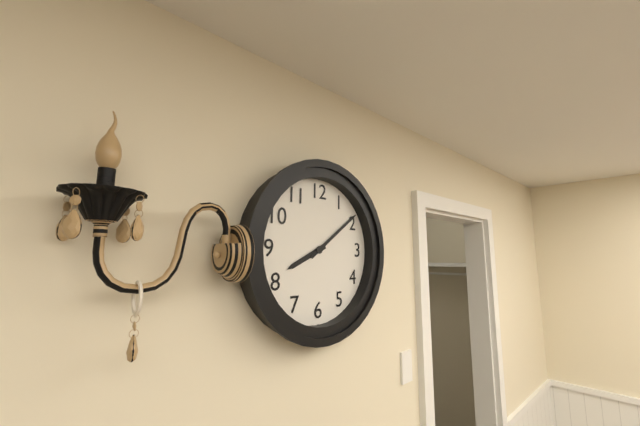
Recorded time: **8:09**
